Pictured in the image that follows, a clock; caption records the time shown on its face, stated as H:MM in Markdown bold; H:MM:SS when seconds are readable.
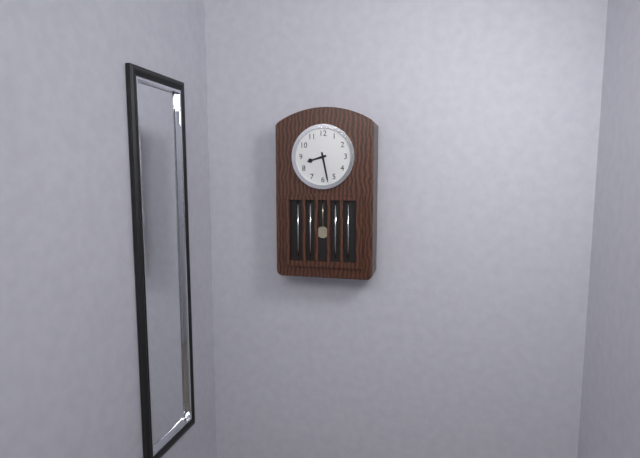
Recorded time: **8:28**
